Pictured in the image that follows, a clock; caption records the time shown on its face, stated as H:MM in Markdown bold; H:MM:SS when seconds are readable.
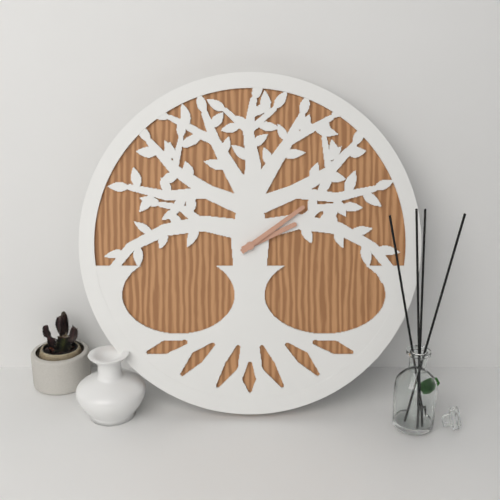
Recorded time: **2:09**
